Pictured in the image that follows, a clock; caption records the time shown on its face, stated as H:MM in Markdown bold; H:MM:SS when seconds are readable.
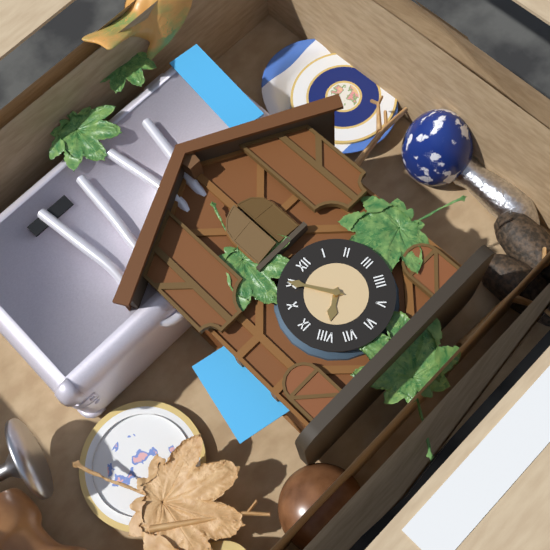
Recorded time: **7:55**
